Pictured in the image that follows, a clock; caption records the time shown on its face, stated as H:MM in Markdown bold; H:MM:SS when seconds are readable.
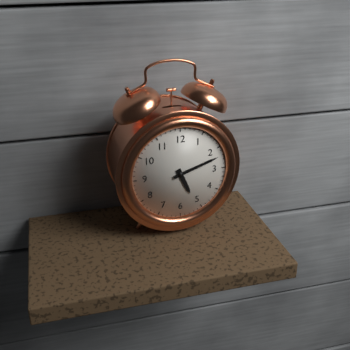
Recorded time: **5:12**
